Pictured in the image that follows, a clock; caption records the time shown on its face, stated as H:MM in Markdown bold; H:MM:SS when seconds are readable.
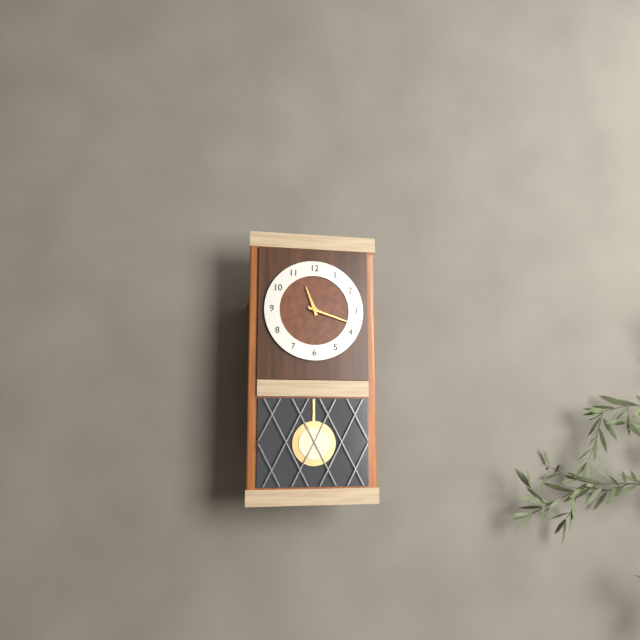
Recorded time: **11:18**
